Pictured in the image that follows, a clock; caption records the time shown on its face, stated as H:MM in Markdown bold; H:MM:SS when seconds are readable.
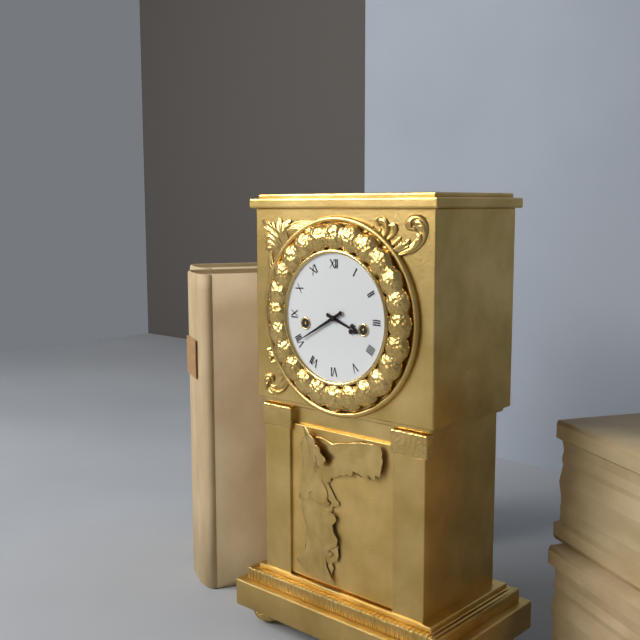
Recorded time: **3:40**
